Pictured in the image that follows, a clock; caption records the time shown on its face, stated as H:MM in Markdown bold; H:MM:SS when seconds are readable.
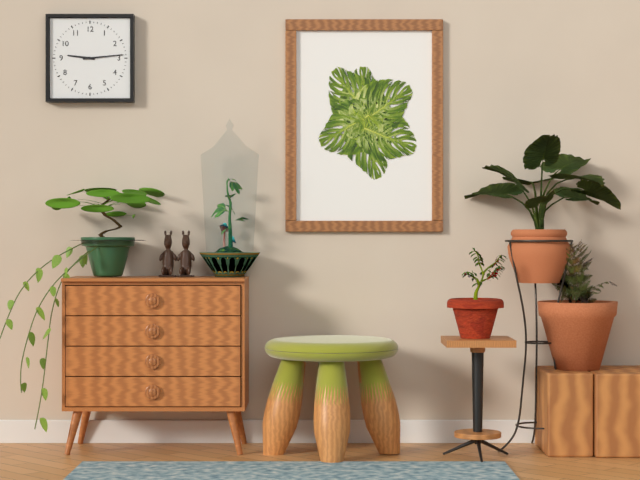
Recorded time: **9:14**
